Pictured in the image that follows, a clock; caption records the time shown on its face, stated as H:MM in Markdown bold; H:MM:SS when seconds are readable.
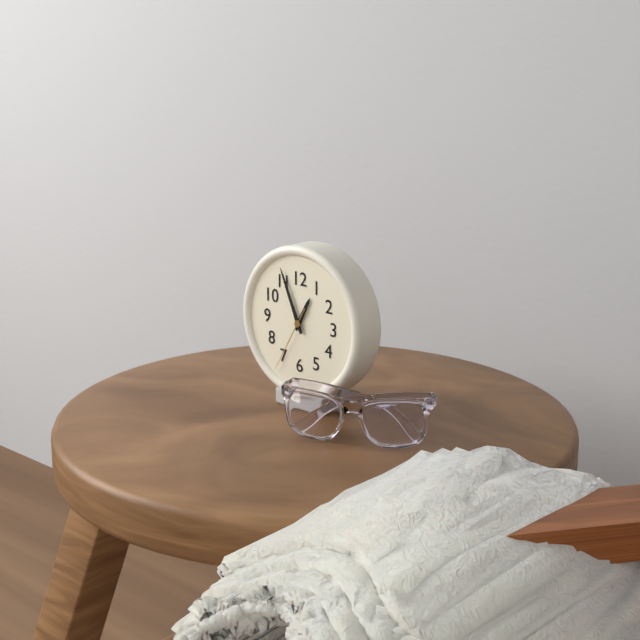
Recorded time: **12:56:35**
